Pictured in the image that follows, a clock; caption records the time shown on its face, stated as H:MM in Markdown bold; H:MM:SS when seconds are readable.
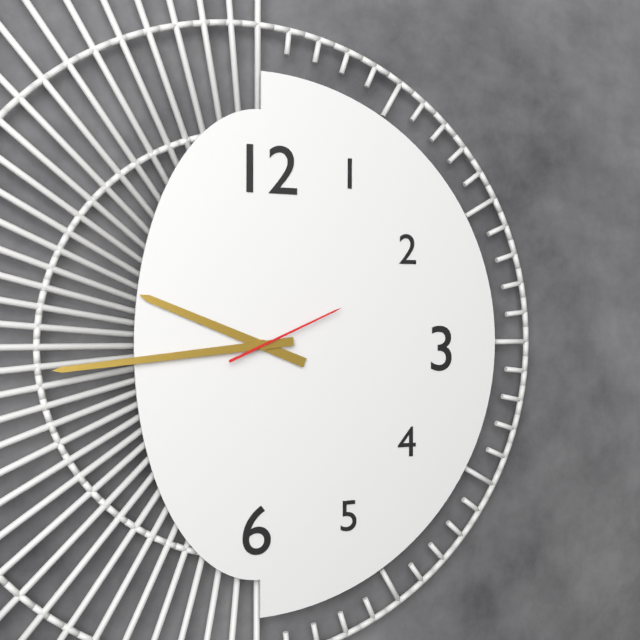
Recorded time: **9:44:11**
